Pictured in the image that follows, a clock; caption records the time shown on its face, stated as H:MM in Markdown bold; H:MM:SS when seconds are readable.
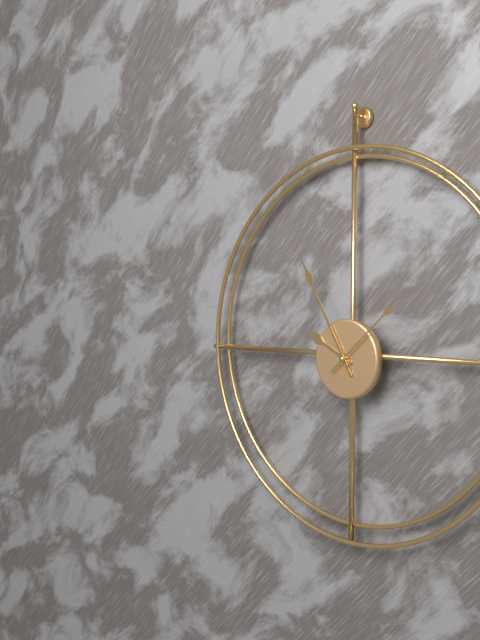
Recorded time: **9:55:08**
